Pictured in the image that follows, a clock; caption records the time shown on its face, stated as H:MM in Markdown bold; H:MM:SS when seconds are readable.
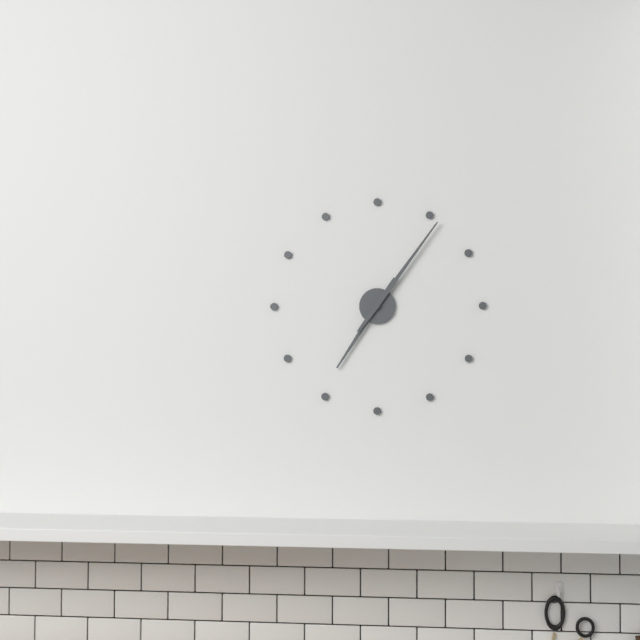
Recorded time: **7:06**
